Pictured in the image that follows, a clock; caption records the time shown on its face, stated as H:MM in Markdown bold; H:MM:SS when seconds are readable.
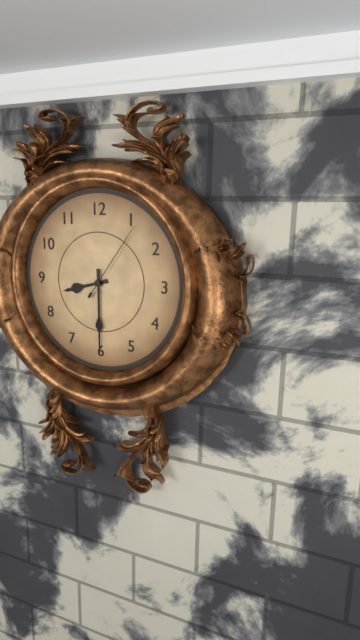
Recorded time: **8:30:06**
